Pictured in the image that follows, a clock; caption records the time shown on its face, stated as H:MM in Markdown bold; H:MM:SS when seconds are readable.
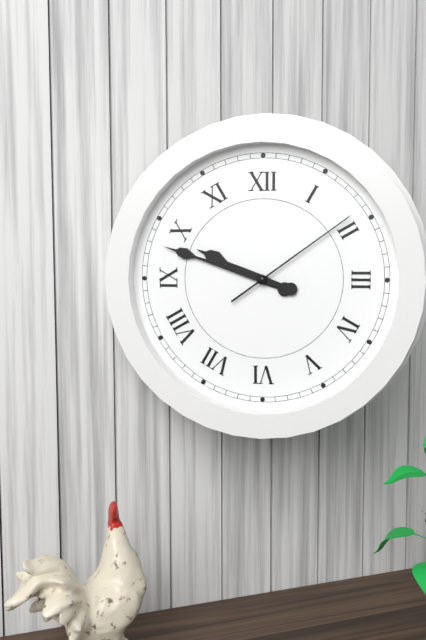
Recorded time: **9:48:09**
